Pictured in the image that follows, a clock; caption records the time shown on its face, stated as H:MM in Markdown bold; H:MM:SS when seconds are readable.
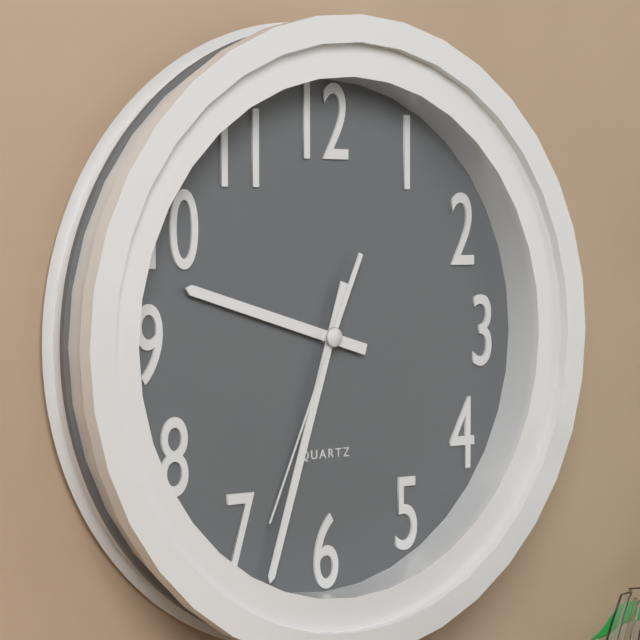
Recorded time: **9:33:34**
